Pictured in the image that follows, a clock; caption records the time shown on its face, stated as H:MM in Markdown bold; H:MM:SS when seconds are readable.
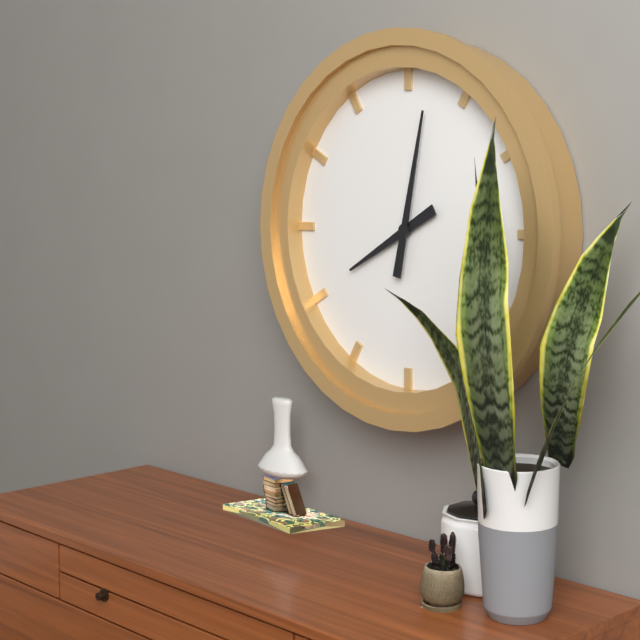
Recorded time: **8:02**
